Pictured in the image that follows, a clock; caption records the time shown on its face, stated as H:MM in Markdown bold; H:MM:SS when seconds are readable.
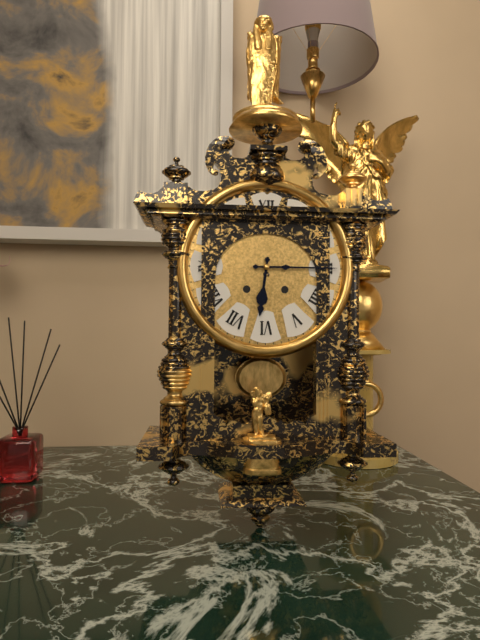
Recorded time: **6:15**
